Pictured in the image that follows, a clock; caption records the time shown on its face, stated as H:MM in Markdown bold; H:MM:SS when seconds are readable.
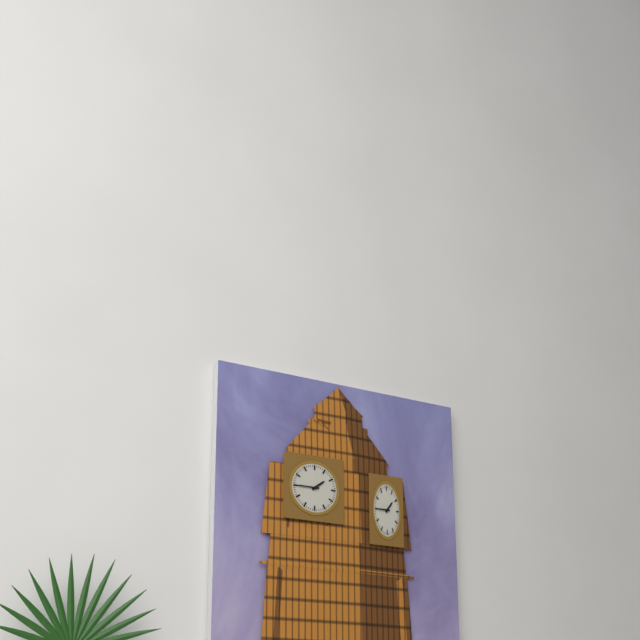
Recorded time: **1:45**
